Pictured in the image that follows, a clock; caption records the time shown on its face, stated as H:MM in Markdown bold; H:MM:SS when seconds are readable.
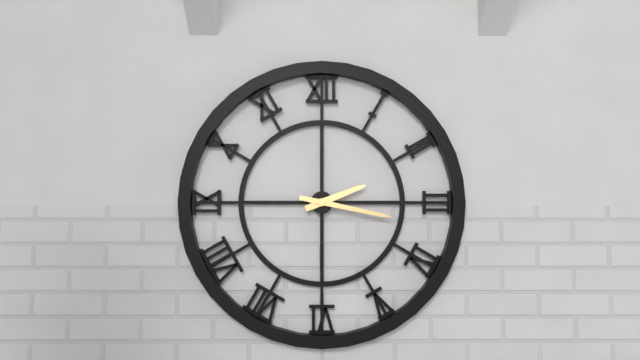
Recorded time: **2:17**
